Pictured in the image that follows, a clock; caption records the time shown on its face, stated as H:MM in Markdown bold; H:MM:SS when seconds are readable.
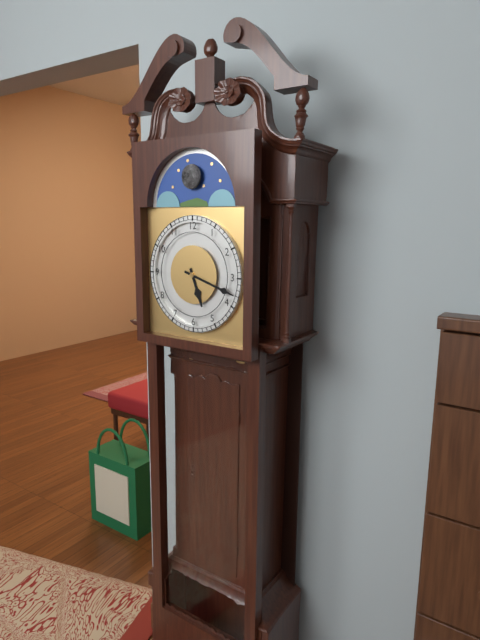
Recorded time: **5:18**
